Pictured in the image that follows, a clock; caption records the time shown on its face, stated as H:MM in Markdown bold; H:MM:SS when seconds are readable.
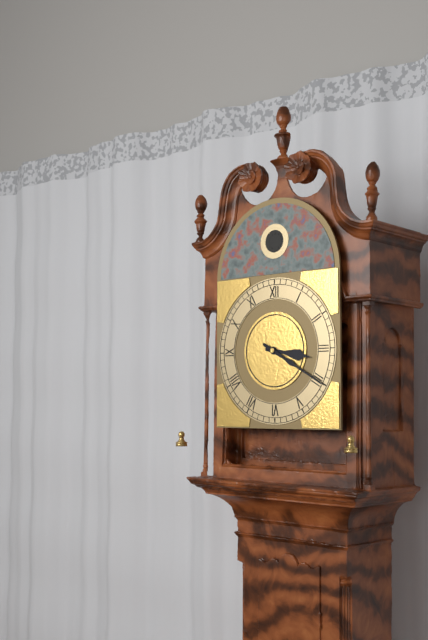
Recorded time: **3:20**
